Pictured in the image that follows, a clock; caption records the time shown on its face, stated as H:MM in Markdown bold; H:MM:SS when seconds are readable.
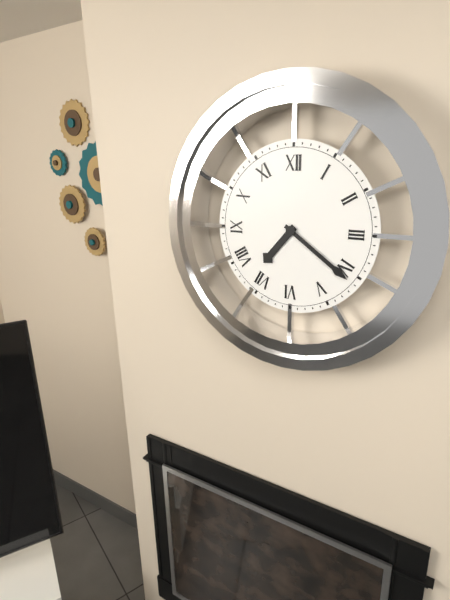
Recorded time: **7:21**
